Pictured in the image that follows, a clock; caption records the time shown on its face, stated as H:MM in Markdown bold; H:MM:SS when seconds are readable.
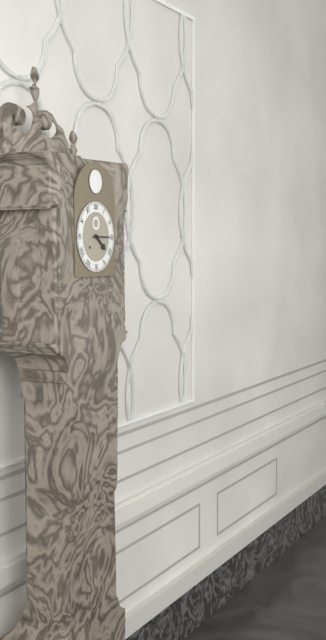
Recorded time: **4:15**
